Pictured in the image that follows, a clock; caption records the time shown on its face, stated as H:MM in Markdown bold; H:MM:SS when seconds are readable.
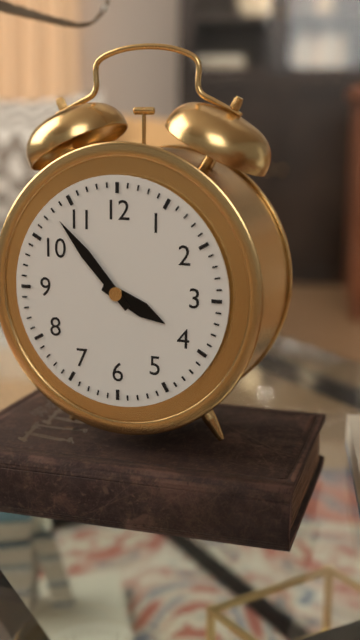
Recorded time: **3:53**
